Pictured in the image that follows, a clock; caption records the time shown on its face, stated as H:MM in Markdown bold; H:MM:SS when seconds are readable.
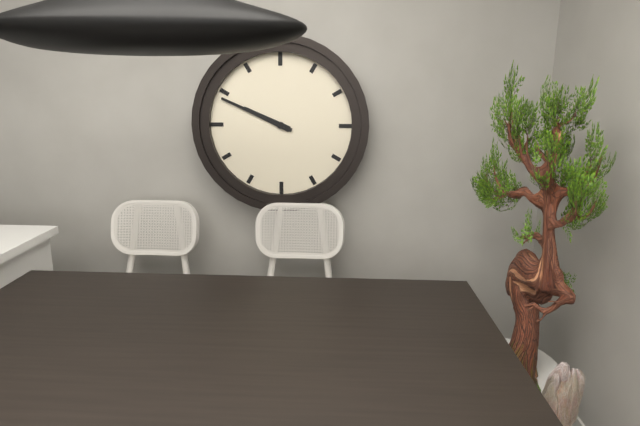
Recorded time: **9:49**
